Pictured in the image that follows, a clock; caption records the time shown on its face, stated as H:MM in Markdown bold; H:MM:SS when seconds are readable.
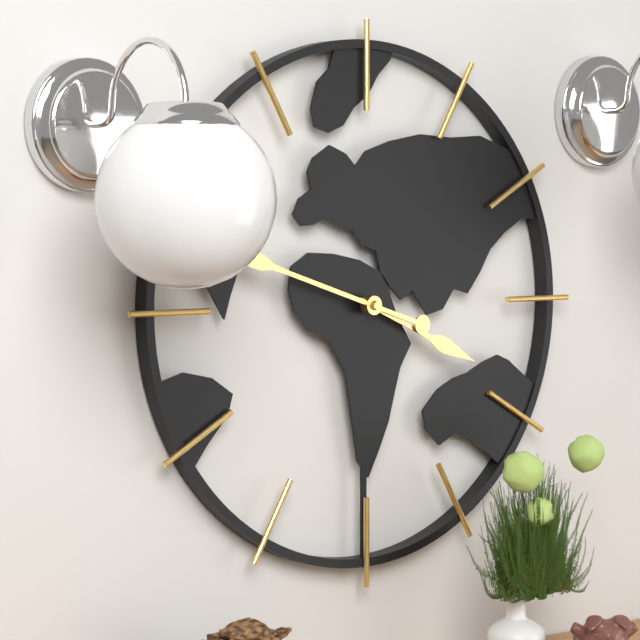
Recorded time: **3:48**
